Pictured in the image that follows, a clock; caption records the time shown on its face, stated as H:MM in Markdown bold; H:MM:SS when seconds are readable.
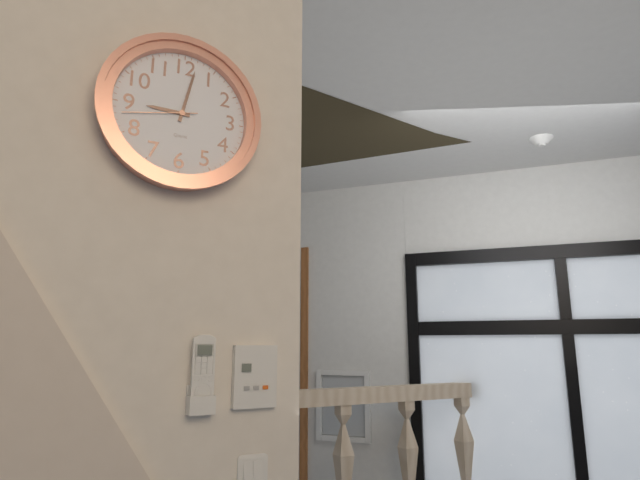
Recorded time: **9:02:43**
